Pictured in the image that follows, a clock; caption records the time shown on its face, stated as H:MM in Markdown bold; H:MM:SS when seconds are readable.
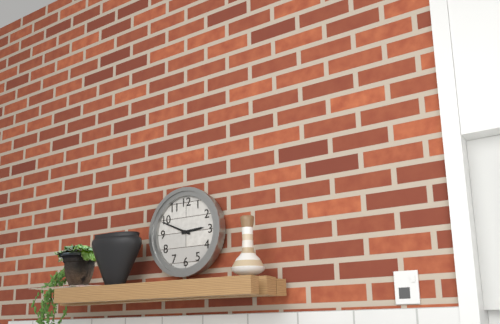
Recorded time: **2:49**
